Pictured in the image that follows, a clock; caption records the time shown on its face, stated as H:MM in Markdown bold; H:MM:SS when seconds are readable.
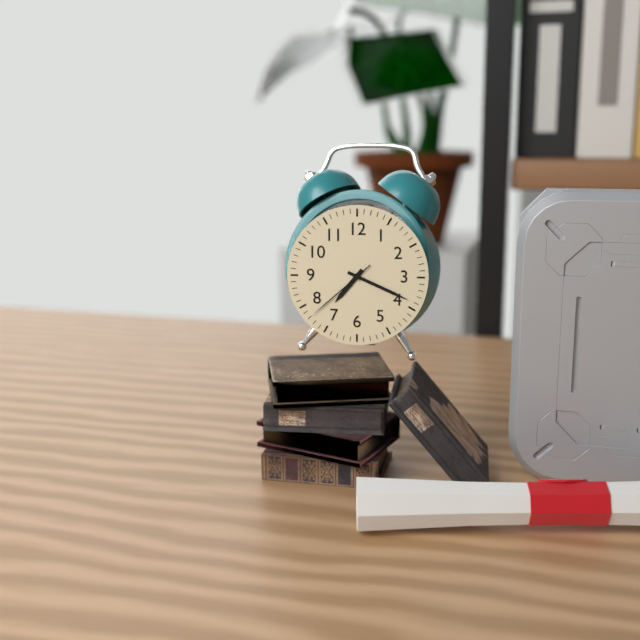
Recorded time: **7:19:38**
